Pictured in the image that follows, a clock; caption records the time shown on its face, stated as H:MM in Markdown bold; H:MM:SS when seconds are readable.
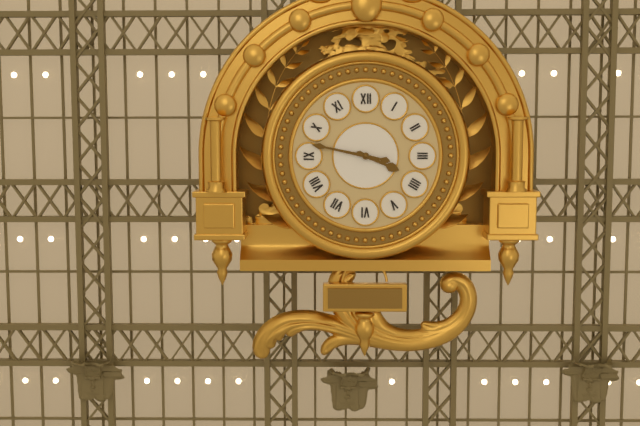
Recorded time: **3:47**
